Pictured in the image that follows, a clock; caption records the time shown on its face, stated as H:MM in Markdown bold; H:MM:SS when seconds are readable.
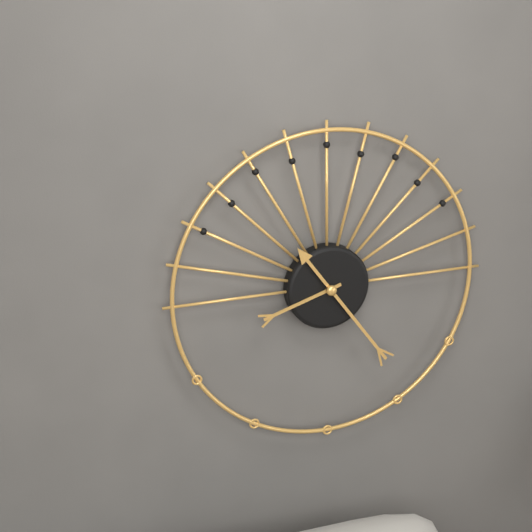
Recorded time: **8:24**
